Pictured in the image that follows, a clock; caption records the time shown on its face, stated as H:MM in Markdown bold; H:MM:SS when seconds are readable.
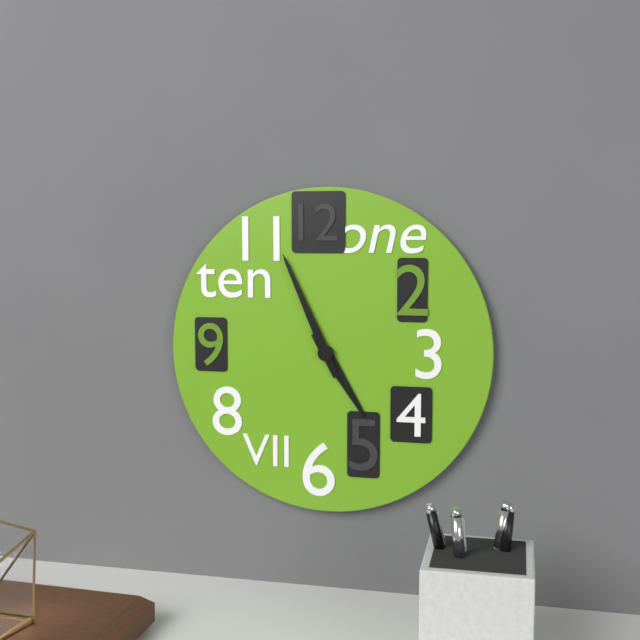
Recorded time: **4:56**
